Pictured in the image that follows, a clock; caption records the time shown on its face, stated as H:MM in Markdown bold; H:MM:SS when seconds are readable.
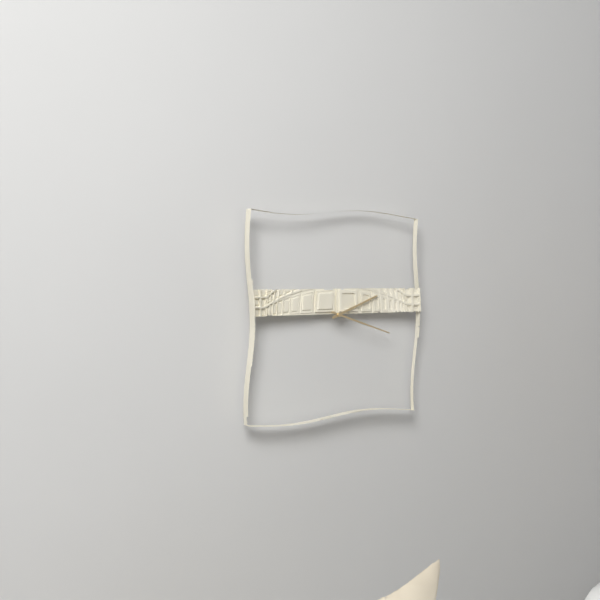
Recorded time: **2:18**
